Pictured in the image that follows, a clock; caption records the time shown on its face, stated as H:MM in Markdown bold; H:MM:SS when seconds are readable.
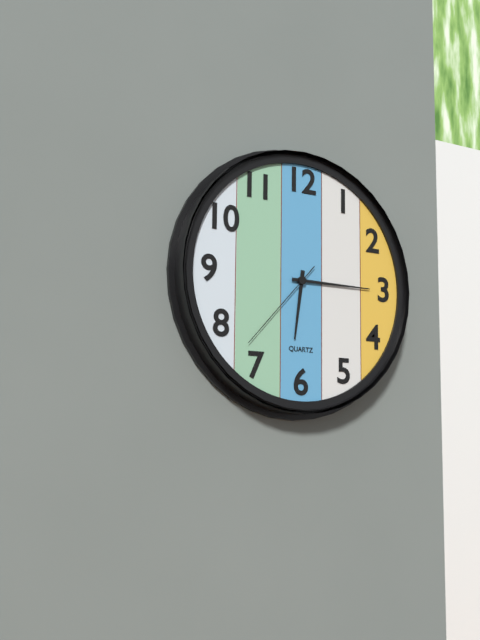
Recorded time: **6:15:37**
